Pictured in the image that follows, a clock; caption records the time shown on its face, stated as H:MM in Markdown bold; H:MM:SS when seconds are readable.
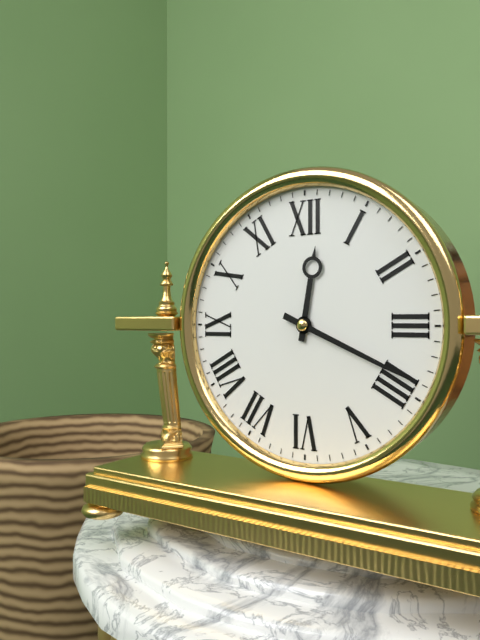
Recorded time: **12:19**
